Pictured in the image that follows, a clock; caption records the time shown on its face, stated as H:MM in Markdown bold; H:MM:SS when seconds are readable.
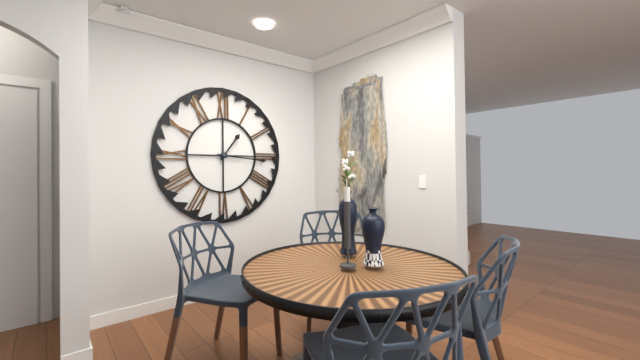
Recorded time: **1:16**
